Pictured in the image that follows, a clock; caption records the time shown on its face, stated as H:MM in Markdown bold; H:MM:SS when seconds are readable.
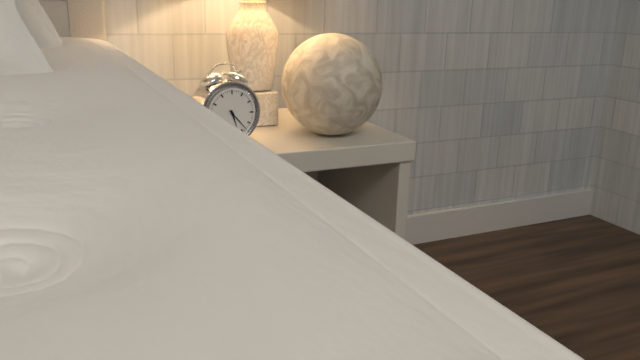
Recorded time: **5:23**
